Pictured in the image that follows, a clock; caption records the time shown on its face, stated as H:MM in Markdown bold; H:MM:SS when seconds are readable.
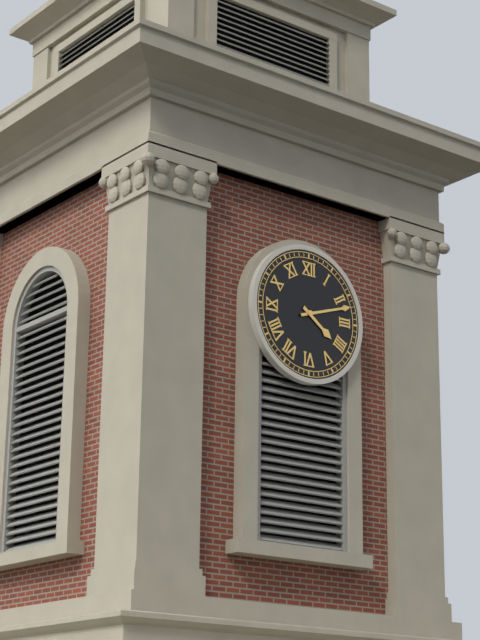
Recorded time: **4:12**
